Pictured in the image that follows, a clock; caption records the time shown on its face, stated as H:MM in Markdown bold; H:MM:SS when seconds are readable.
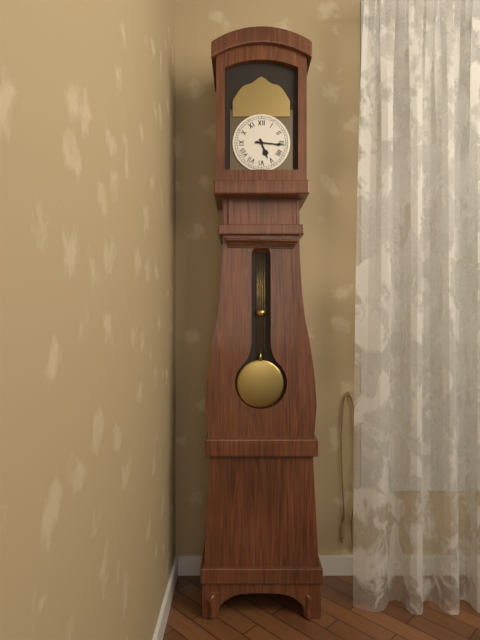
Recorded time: **5:16**
